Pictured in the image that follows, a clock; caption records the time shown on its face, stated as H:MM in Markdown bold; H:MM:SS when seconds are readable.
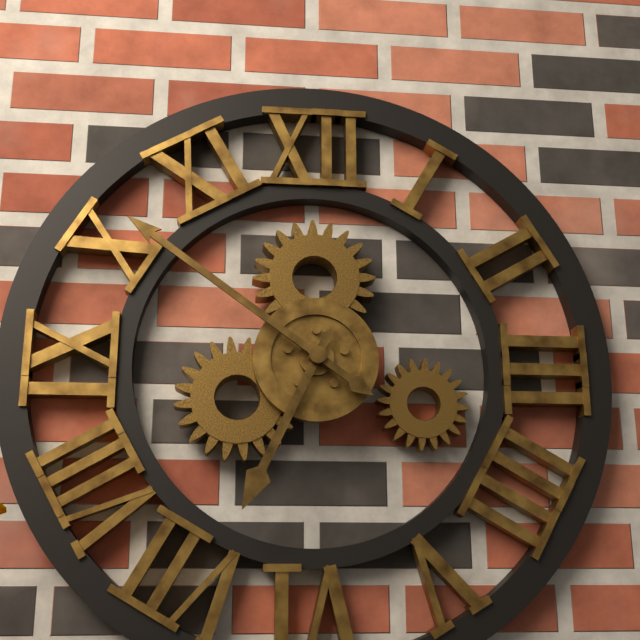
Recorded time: **6:51**
